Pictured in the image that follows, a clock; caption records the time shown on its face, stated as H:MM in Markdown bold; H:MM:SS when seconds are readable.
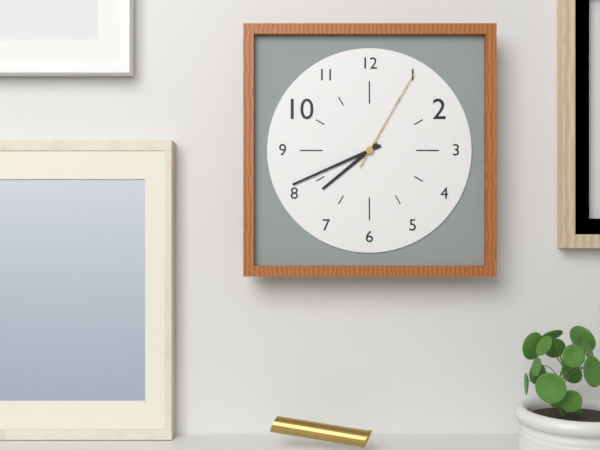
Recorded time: **7:41:05**
